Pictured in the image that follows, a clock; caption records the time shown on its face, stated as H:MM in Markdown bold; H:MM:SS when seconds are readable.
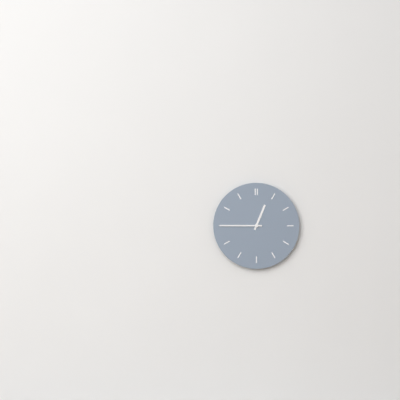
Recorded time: **12:45**
